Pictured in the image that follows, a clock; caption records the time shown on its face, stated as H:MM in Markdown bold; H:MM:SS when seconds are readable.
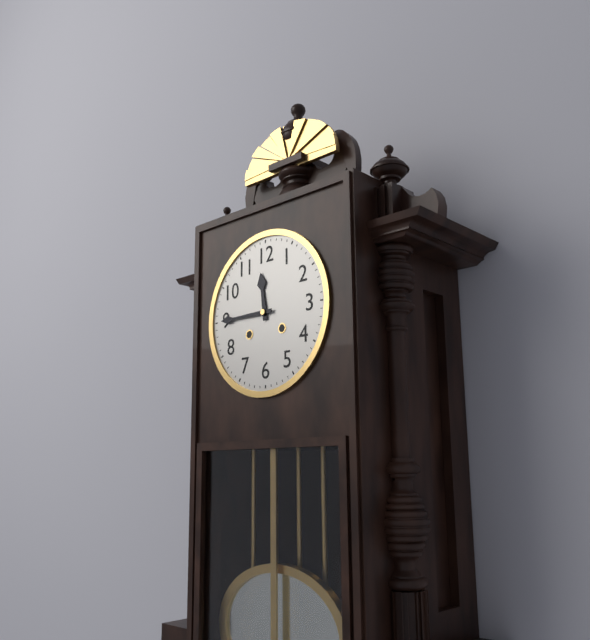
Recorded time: **11:45**
